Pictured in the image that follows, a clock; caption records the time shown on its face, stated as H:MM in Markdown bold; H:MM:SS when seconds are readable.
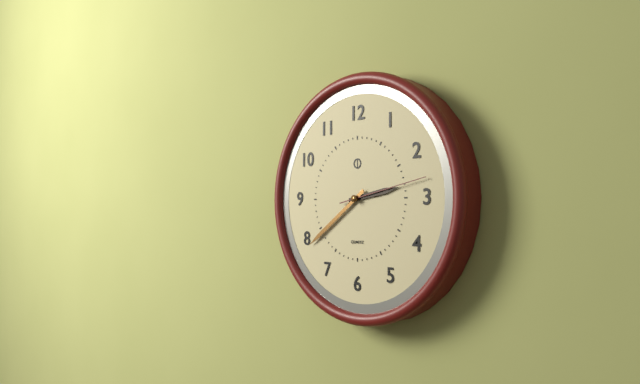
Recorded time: **2:39:13**
